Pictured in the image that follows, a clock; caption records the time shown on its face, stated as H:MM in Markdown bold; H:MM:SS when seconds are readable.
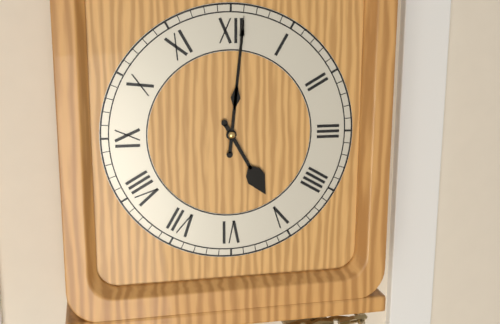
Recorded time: **5:01**
